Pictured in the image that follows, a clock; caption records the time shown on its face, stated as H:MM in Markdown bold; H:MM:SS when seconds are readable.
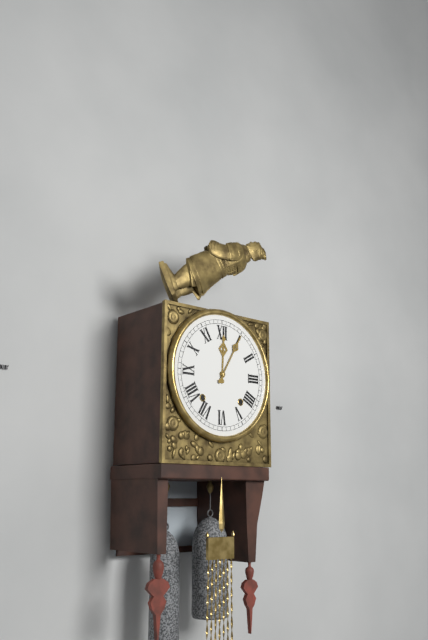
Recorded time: **12:05**
